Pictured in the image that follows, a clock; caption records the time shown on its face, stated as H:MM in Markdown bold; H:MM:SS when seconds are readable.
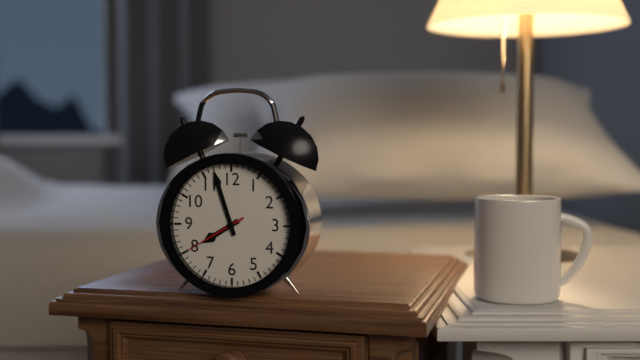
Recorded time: **7:57:40**
